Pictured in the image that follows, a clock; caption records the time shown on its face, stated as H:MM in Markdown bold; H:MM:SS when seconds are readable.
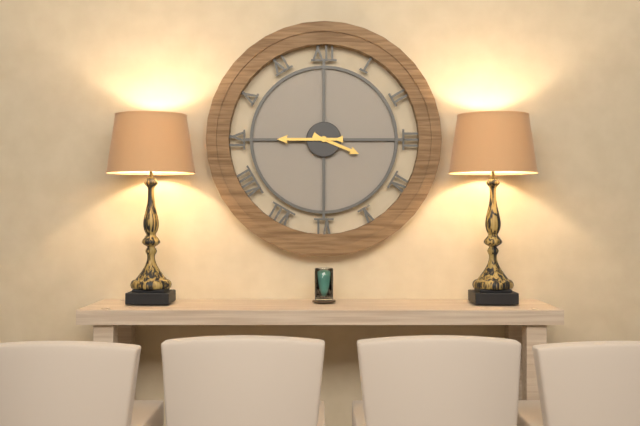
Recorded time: **3:45**
